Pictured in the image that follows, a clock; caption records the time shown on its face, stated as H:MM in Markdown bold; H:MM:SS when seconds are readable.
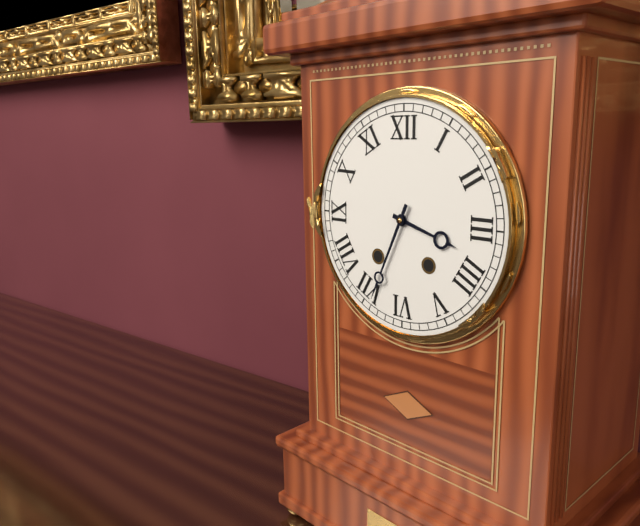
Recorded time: **3:34**
